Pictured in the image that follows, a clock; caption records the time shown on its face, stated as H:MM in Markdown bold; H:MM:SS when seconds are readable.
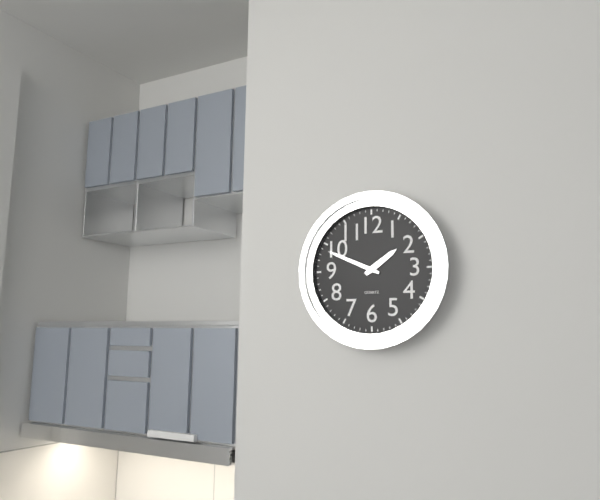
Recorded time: **1:49**
